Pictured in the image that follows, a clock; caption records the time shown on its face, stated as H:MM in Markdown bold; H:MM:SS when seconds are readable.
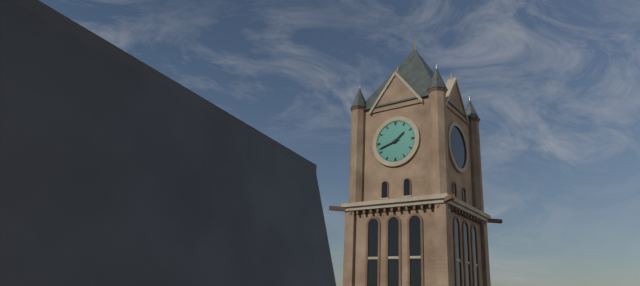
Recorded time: **1:42**
